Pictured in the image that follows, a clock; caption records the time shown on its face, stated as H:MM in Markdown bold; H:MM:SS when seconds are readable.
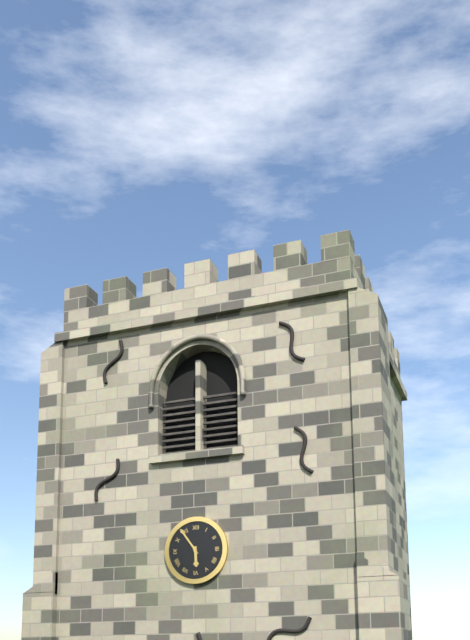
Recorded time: **5:54**
